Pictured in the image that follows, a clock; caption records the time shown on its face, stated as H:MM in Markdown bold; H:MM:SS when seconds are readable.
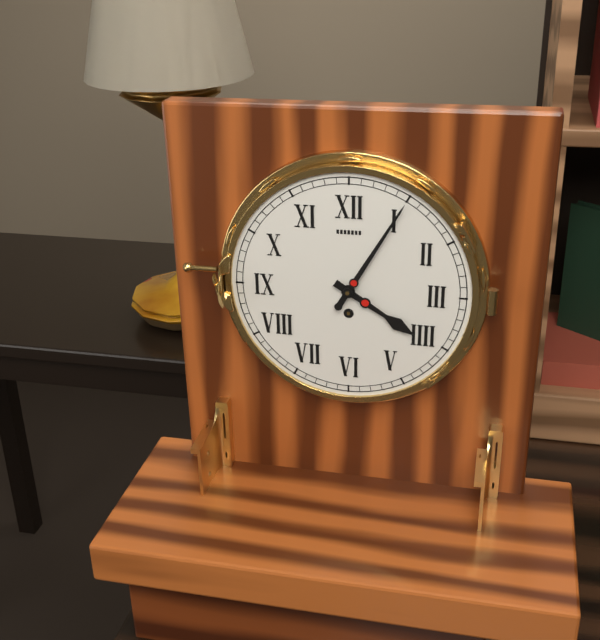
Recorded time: **4:05**
